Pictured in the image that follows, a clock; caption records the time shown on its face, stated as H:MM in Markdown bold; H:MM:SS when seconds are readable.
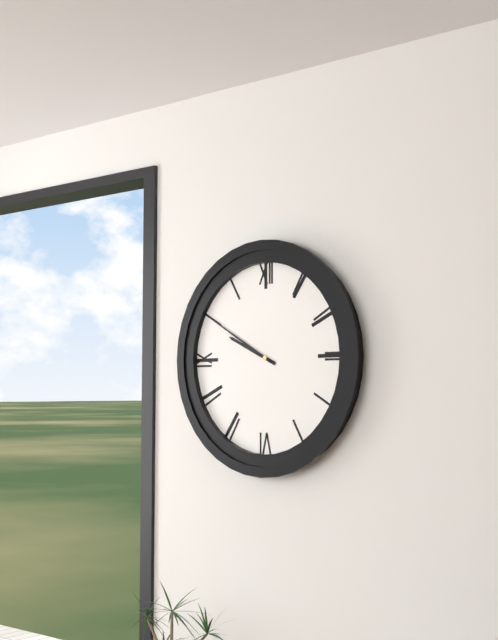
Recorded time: **9:50**
